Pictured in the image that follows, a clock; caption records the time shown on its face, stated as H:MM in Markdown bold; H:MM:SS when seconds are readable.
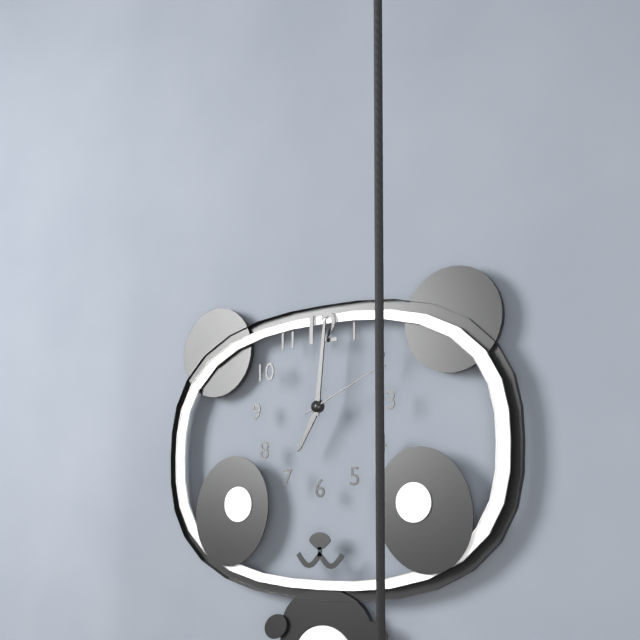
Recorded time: **7:01:11**
